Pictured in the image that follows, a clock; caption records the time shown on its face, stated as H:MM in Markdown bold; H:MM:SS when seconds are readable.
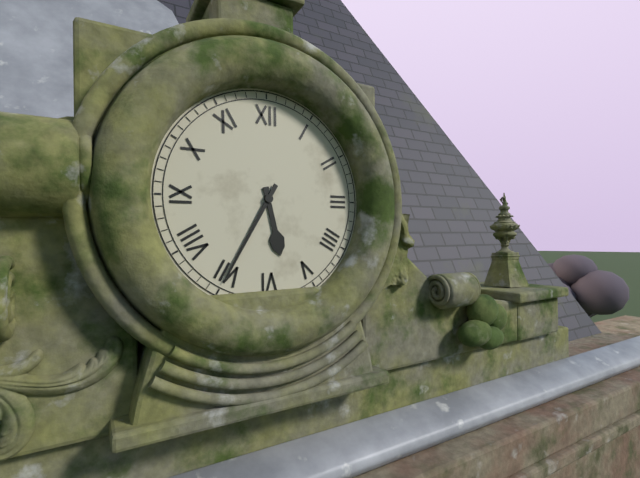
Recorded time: **5:35**
